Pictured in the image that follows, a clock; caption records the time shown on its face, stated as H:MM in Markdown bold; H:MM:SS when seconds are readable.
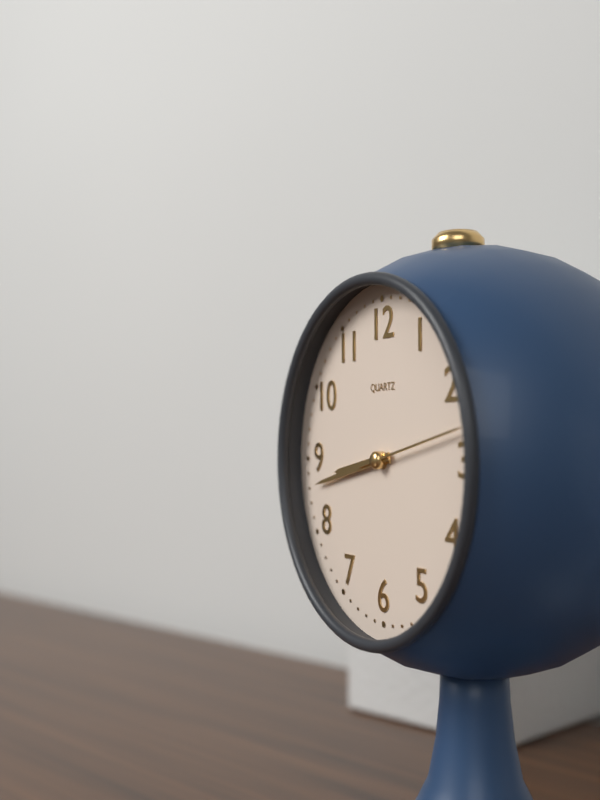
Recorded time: **8:43:13**
